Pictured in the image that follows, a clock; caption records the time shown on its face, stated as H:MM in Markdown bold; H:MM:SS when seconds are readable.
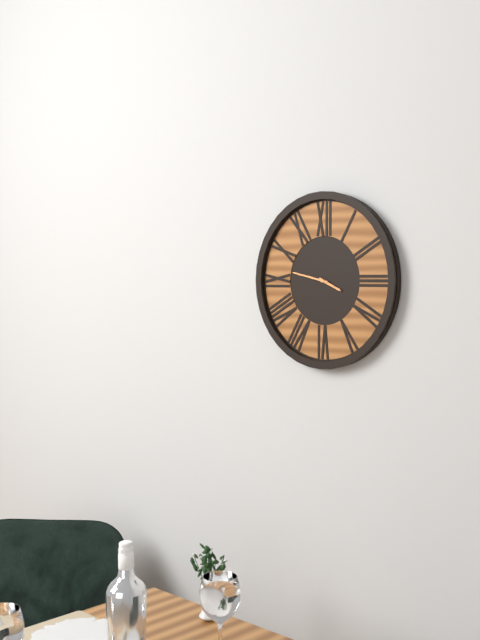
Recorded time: **3:47**
